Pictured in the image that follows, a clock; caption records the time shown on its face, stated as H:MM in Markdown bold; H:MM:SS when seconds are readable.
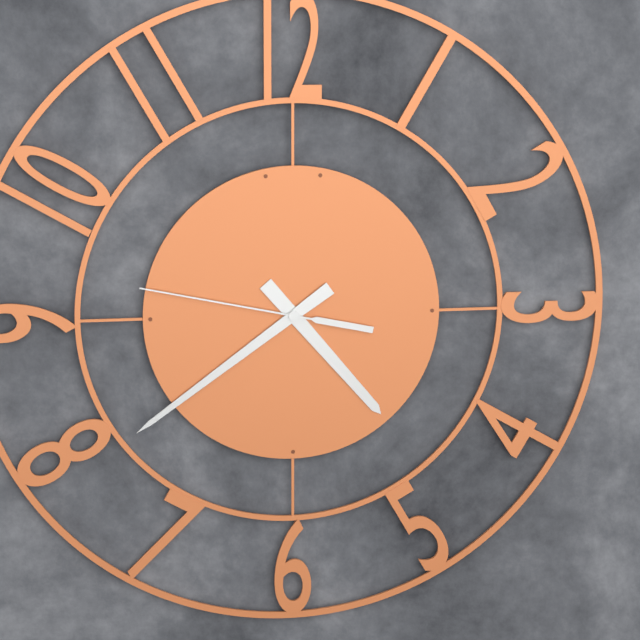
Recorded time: **4:39:47**
